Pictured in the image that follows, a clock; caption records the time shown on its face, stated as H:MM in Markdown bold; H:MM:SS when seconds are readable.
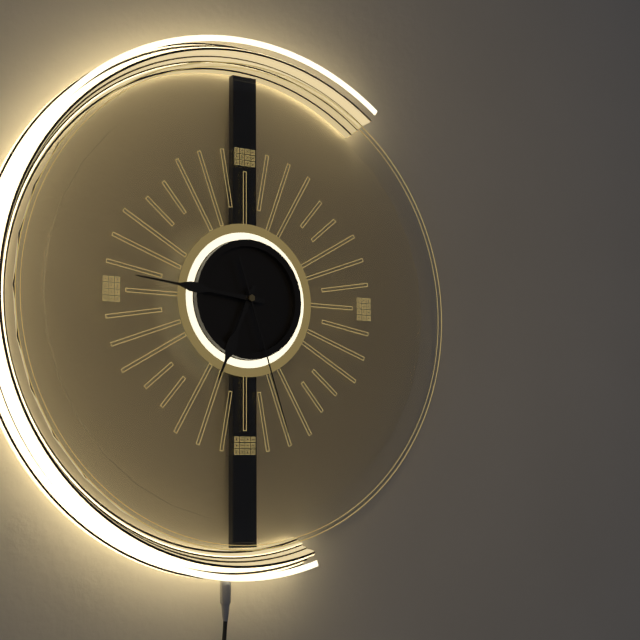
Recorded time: **6:46:27**
